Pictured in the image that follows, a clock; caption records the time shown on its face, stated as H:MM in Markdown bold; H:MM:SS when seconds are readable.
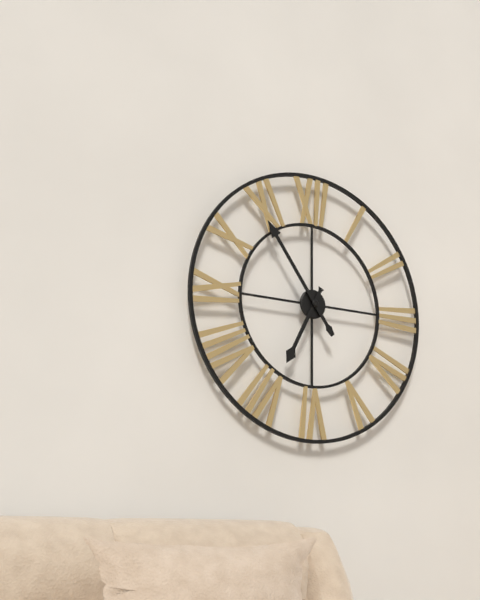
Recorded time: **6:54**
